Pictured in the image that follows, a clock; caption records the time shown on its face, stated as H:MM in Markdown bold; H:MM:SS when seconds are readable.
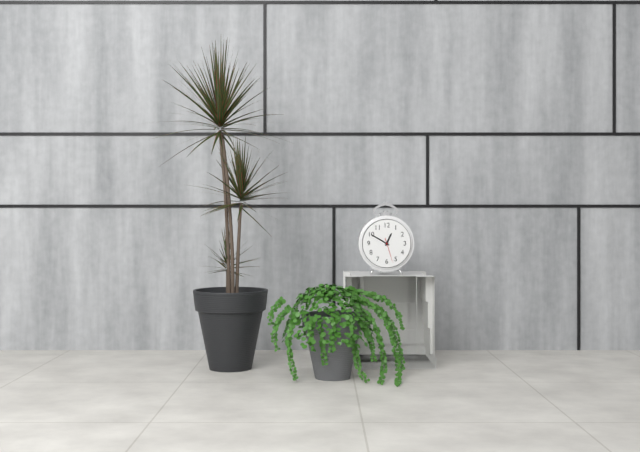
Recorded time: **12:50**
